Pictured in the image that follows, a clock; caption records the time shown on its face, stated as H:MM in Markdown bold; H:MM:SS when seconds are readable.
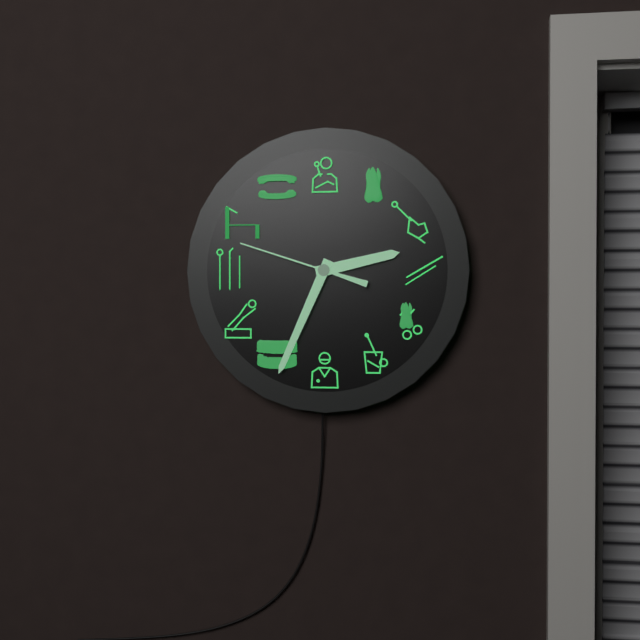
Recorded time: **2:34:48**
